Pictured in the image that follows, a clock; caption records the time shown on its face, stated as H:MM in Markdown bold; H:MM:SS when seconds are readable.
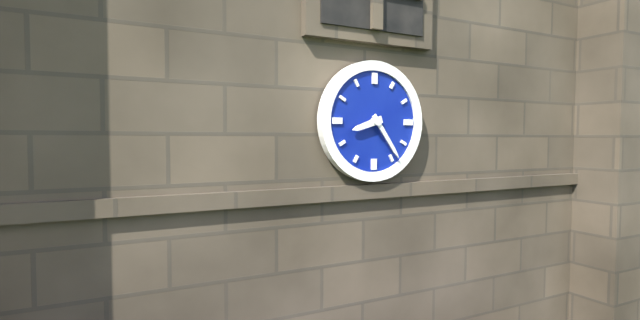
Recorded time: **8:24**
